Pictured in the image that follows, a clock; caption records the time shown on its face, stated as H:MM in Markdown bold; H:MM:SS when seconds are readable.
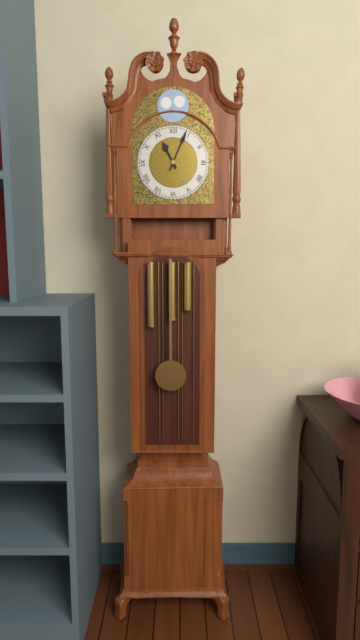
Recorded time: **11:04**
